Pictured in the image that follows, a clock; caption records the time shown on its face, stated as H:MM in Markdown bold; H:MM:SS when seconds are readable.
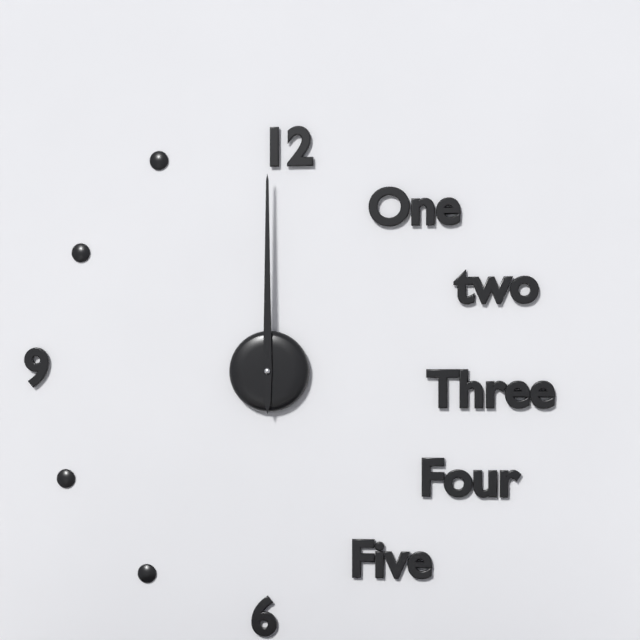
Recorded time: **12:00**
